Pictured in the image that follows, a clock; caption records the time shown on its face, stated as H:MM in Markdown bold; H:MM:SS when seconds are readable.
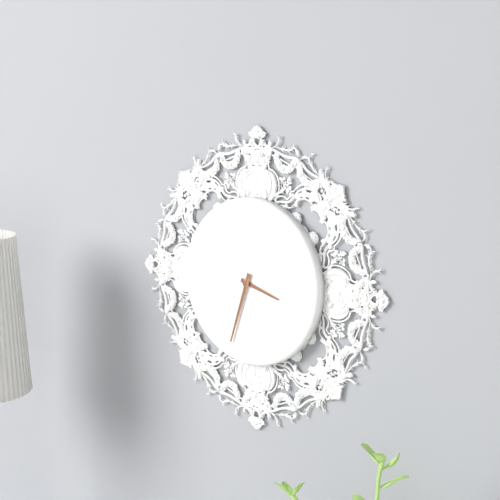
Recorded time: **3:33**
